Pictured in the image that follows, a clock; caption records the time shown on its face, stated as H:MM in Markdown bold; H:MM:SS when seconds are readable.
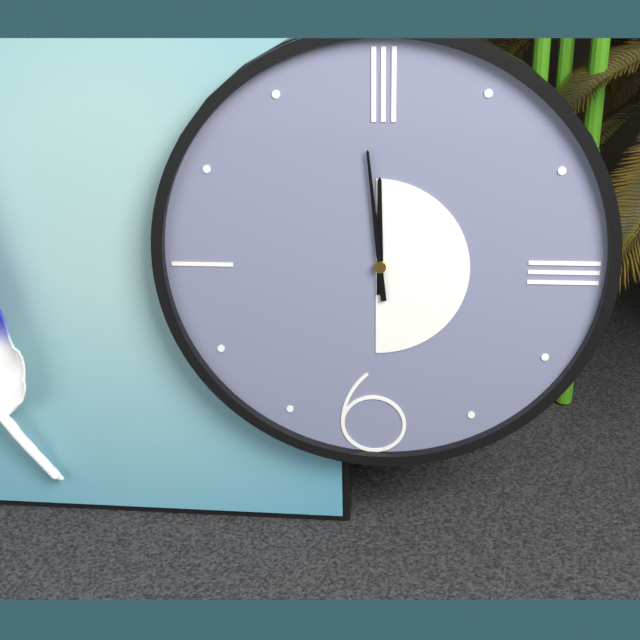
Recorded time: **11:59**
